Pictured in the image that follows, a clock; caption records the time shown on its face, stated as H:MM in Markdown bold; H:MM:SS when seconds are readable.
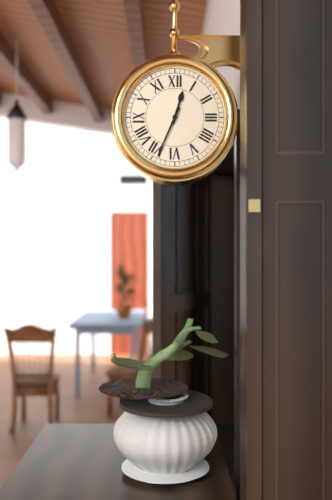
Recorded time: **12:34**
